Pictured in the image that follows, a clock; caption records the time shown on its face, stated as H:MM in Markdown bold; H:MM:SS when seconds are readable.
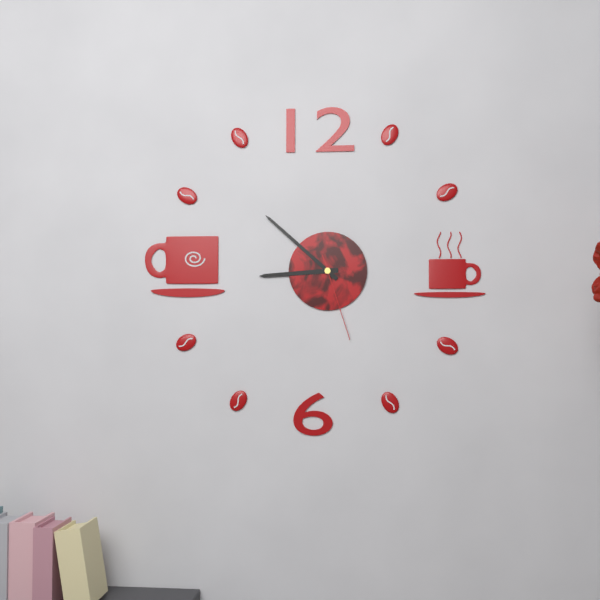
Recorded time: **8:52:27**
